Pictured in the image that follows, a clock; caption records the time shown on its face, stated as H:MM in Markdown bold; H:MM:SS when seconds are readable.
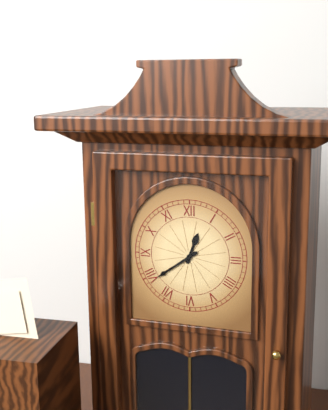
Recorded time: **12:39**
